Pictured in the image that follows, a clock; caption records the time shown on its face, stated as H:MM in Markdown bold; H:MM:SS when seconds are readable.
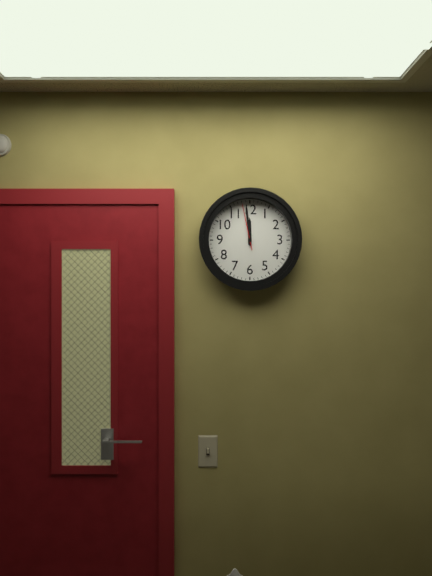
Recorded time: **11:59**
